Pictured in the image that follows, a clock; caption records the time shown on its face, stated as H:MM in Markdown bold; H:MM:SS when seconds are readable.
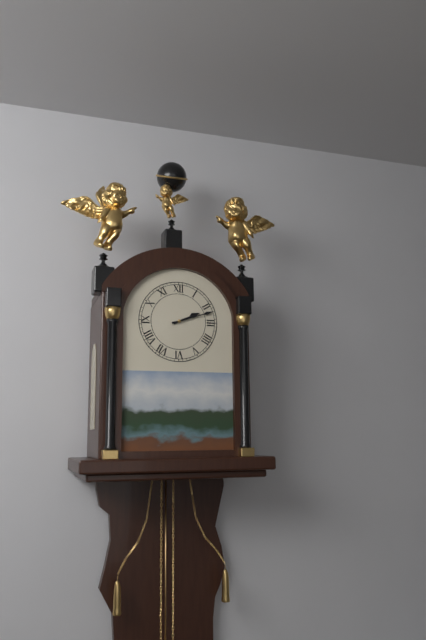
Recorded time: **2:12**
